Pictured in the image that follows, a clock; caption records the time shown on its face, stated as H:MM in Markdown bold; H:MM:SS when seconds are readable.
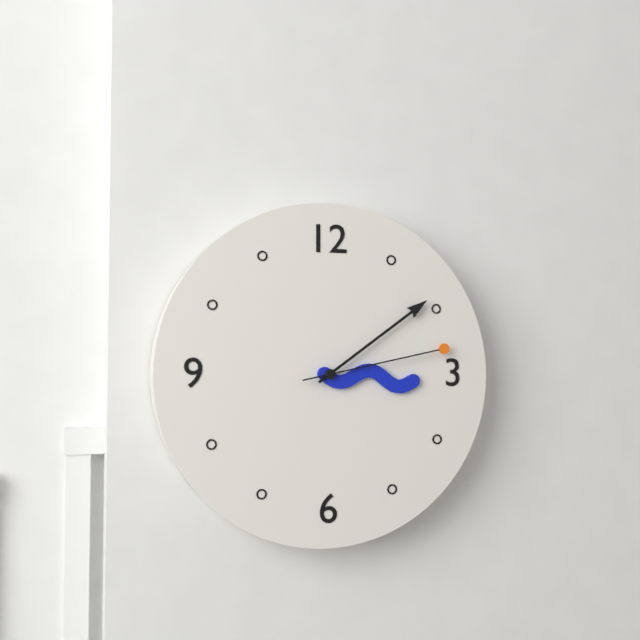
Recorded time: **3:09:13**
